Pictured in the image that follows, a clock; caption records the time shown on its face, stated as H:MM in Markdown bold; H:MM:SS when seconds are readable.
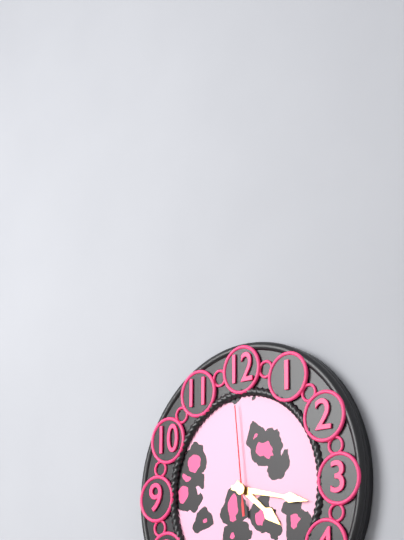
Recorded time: **4:17:59**
